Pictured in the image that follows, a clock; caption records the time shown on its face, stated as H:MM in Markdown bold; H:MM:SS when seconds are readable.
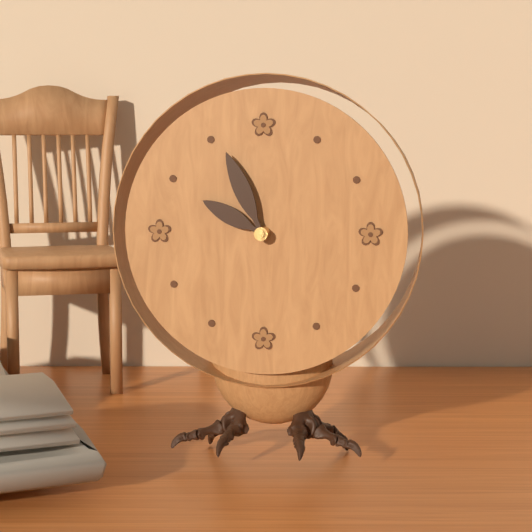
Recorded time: **9:56**
